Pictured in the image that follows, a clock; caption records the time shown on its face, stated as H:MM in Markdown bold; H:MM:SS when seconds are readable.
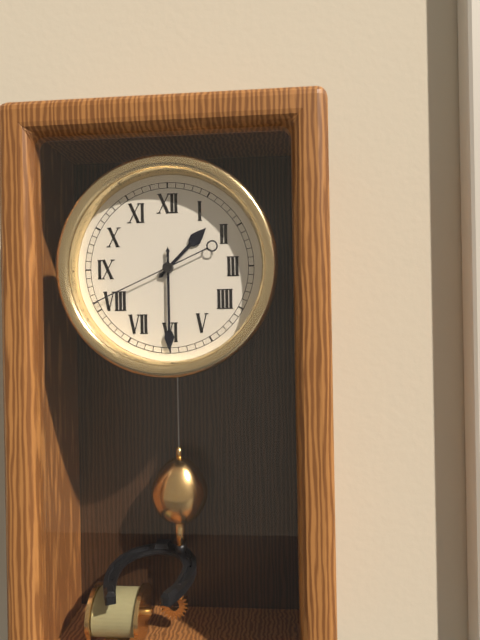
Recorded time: **1:30:41**
